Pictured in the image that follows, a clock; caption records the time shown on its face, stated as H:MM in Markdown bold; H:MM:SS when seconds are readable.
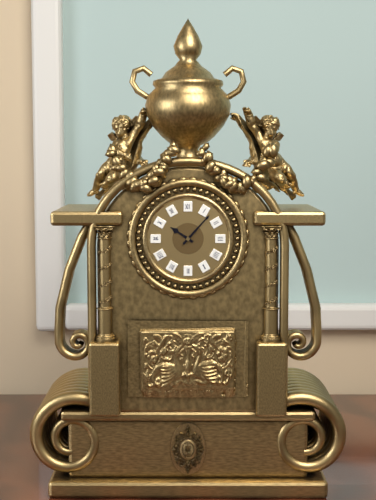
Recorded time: **10:07**
